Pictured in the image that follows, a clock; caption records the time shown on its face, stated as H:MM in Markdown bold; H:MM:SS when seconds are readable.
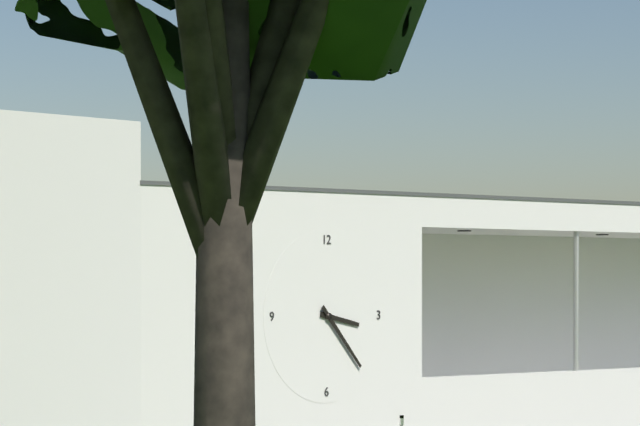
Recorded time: **3:23**
